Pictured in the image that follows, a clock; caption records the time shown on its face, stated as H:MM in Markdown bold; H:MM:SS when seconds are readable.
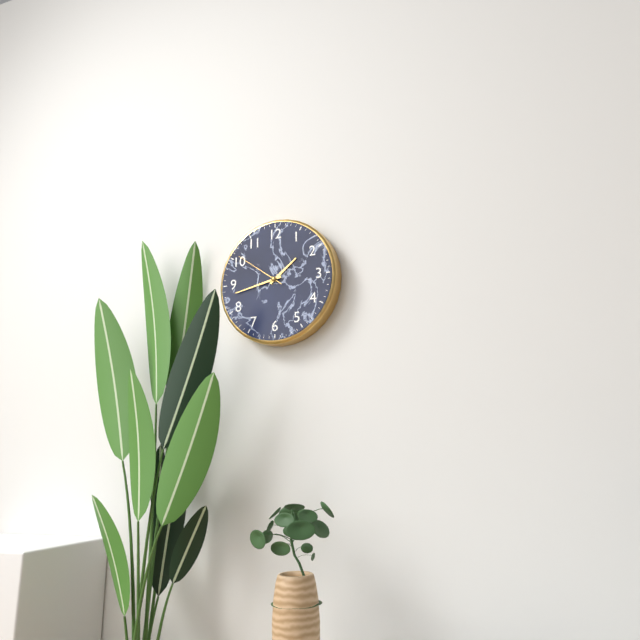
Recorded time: **1:43:51**
